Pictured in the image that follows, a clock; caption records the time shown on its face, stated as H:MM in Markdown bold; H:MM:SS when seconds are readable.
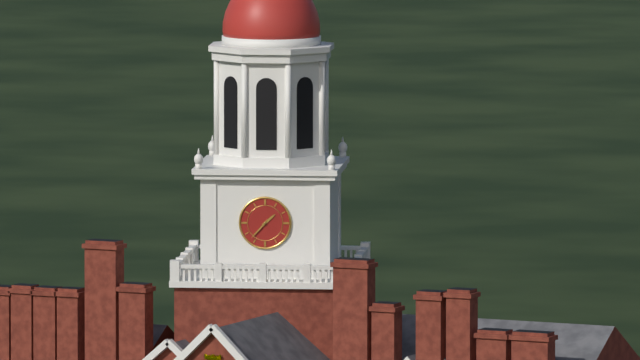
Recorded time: **1:37**
